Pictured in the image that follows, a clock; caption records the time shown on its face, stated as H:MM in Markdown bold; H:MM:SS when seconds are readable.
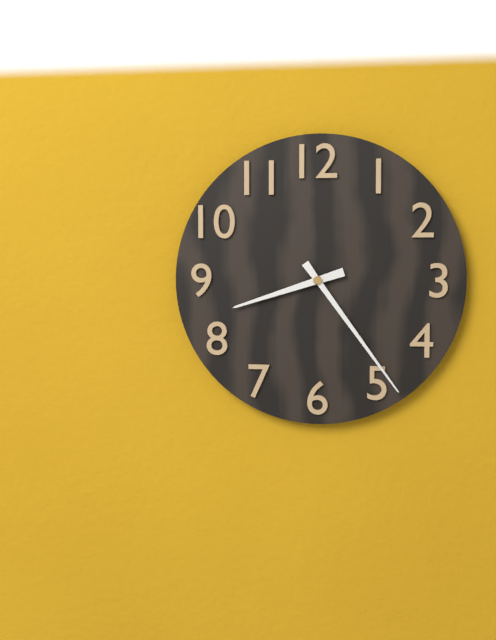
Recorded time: **8:24**
